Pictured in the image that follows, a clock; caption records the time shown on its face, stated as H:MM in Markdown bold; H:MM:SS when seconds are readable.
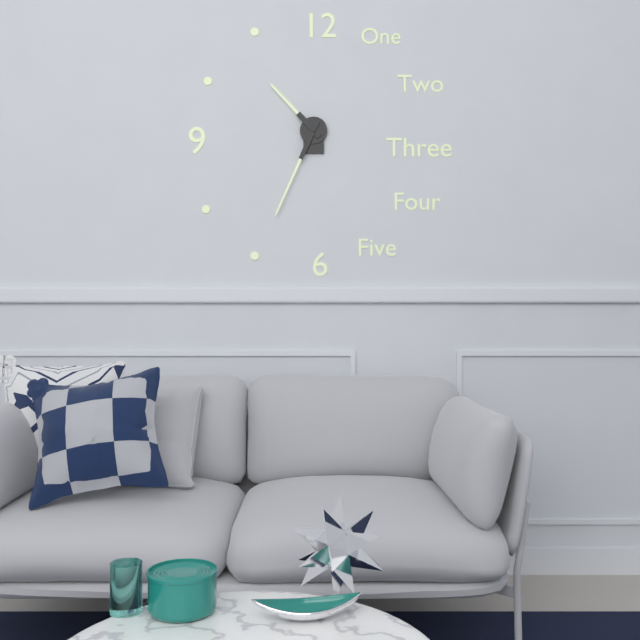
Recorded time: **10:34**
